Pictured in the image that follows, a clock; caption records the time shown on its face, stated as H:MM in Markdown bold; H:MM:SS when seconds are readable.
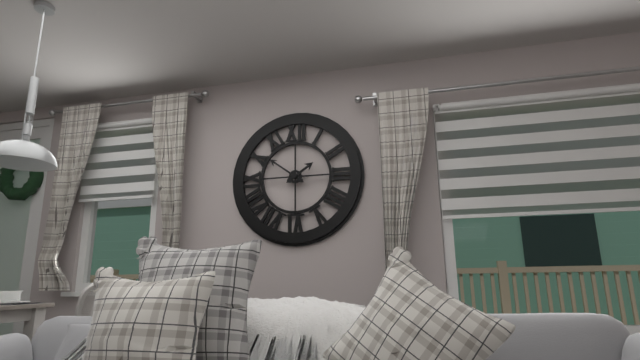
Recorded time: **1:51**
